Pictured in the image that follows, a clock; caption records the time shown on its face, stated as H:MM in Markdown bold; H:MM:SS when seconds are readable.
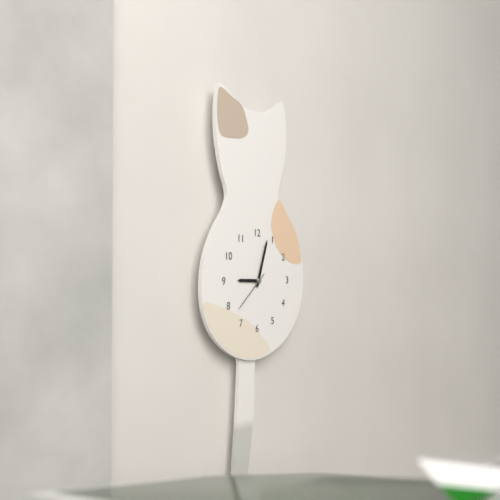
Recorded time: **9:03**
